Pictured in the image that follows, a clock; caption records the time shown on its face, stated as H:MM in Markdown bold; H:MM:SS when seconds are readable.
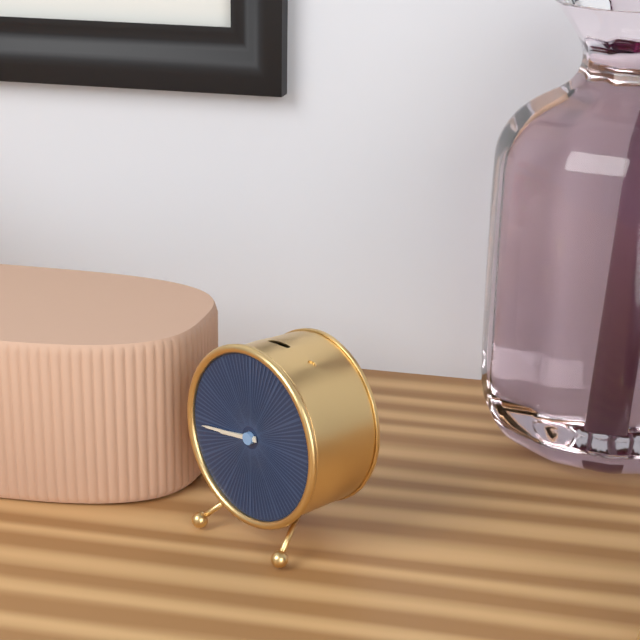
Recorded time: **8:44**
